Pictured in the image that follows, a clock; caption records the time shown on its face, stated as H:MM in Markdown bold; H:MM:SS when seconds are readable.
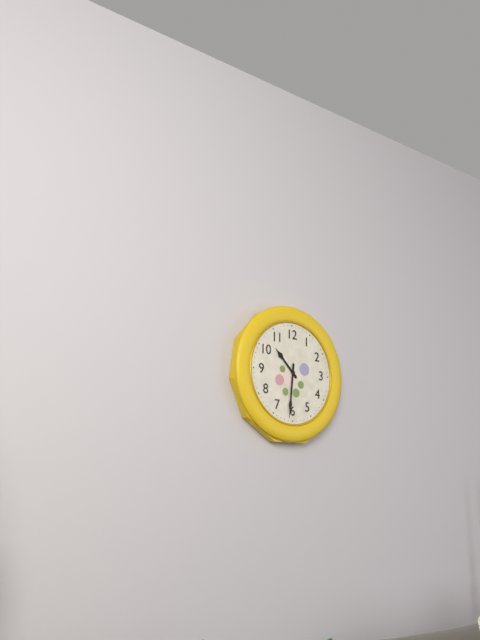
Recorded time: **10:31**
